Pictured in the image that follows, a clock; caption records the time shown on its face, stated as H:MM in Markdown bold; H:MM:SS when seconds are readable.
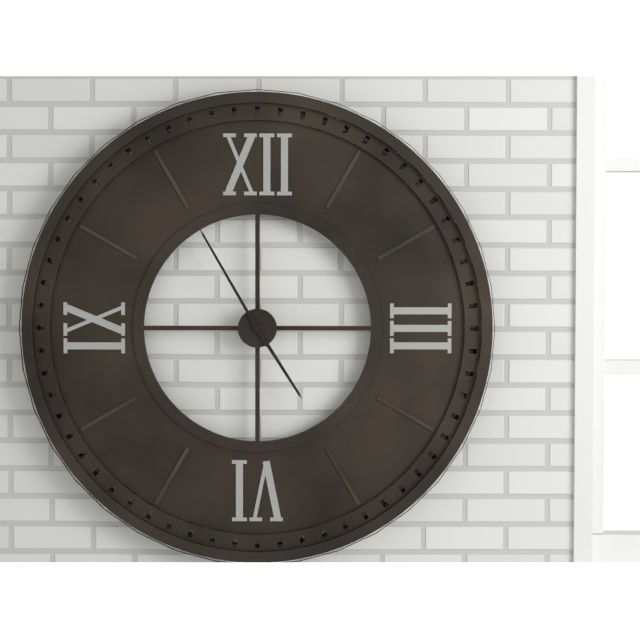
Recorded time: **4:55**
